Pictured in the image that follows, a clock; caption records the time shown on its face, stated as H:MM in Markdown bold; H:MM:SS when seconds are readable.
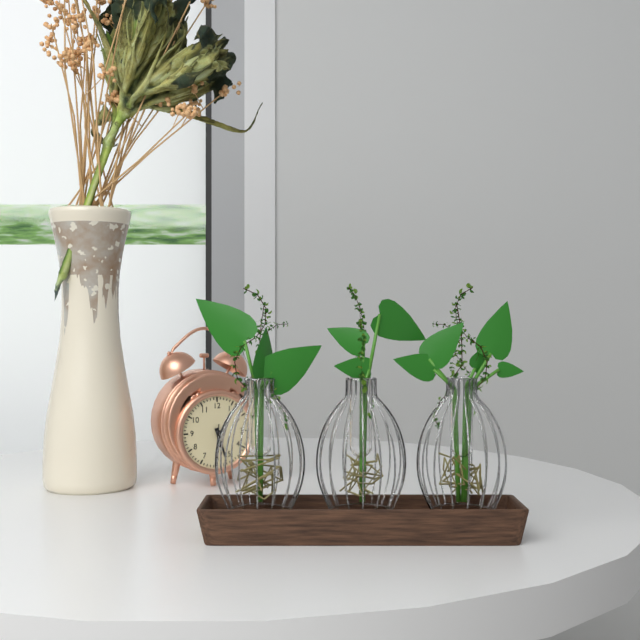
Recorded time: **5:27**
